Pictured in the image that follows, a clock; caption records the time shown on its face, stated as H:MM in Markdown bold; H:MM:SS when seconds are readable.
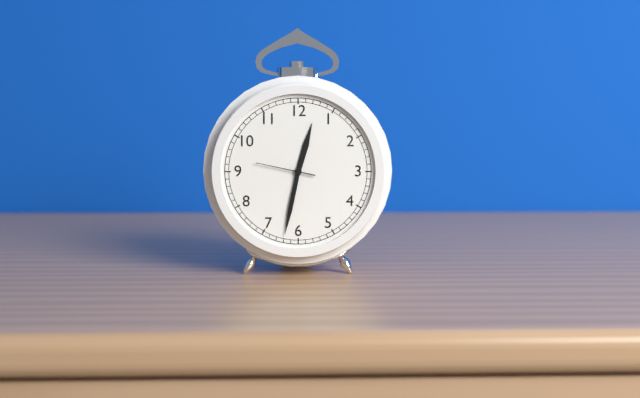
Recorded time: **12:32:47**
